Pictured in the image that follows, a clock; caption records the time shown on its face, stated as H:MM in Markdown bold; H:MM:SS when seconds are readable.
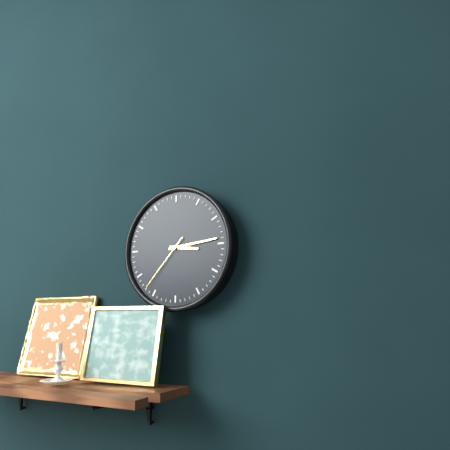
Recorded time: **3:14:37**
